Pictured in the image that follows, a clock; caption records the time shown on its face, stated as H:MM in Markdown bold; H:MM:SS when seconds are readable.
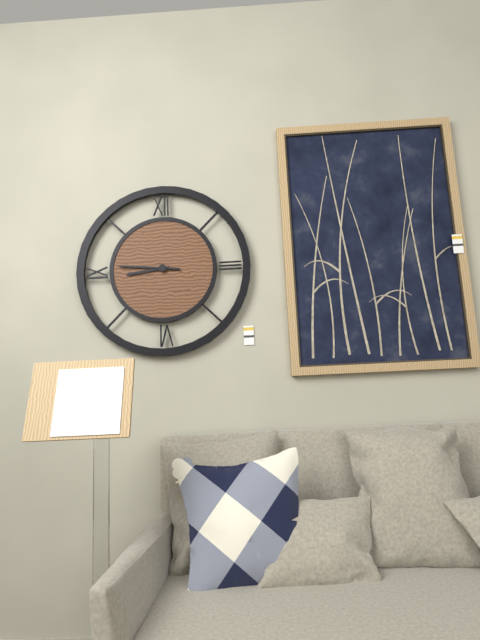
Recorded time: **8:46**
